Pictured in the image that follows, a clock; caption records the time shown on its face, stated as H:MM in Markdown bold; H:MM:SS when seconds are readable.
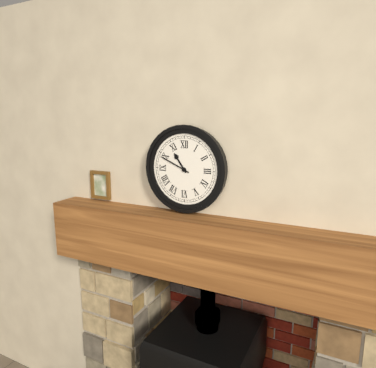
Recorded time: **10:49**
